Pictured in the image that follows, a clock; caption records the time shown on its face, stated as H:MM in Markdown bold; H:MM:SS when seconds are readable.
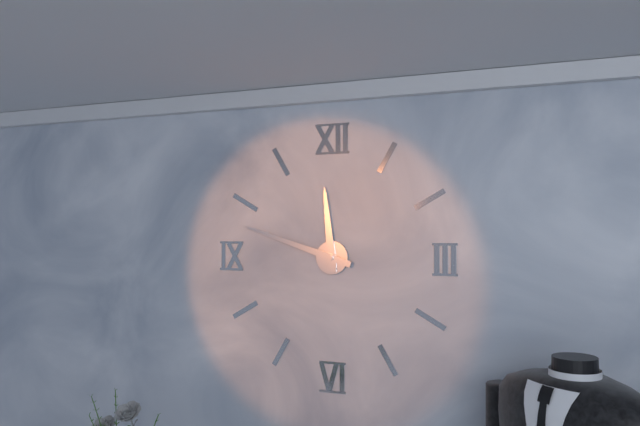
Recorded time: **11:48**
